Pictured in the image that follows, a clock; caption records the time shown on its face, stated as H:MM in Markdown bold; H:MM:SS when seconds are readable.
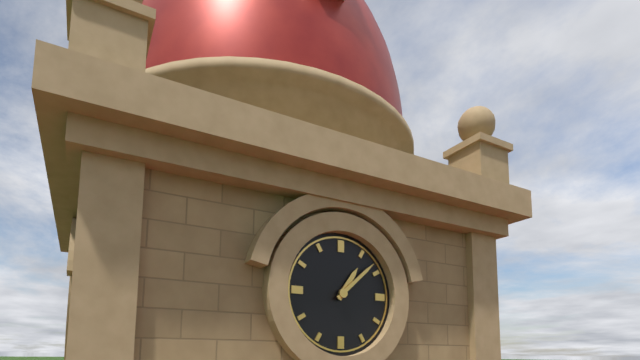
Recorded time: **1:08**
